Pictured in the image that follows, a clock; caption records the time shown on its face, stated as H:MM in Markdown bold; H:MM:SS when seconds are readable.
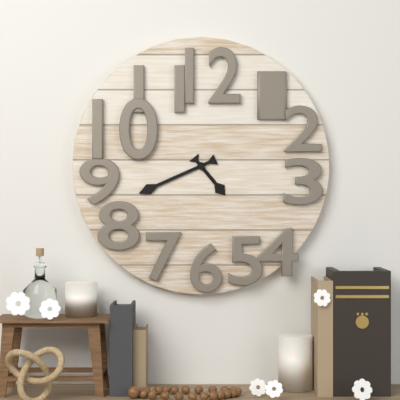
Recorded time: **4:41**
